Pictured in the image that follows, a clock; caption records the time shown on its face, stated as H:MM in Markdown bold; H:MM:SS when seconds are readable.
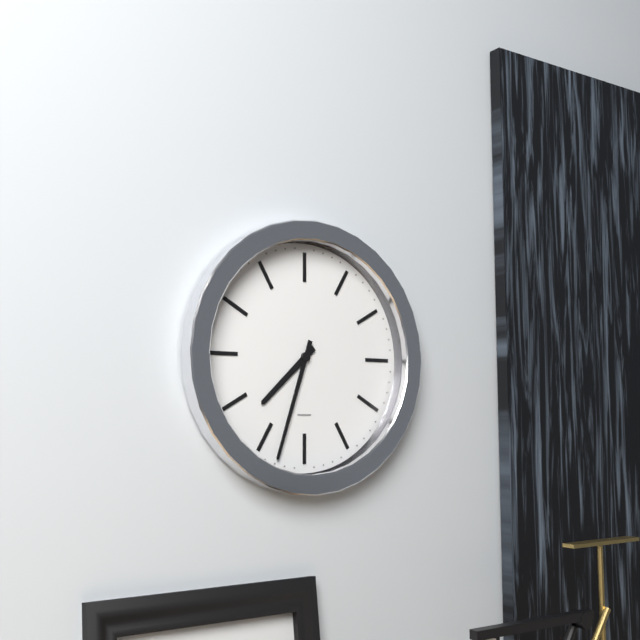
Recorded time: **7:33**
